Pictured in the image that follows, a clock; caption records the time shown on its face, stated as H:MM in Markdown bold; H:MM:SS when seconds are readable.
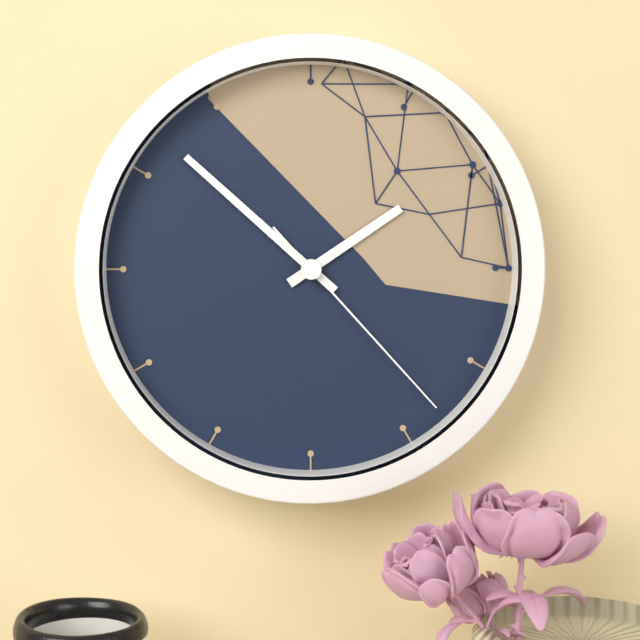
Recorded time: **1:52:23**
